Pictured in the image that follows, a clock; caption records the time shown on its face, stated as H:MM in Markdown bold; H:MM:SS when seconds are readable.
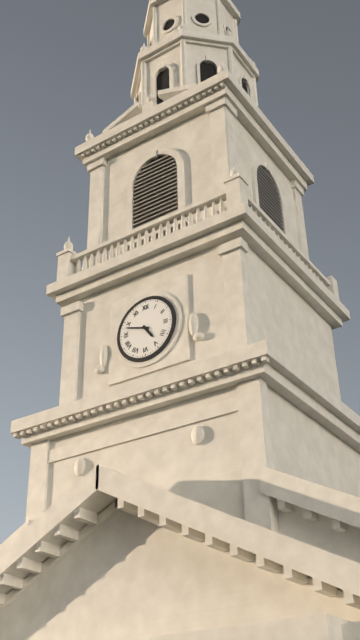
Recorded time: **4:48**
